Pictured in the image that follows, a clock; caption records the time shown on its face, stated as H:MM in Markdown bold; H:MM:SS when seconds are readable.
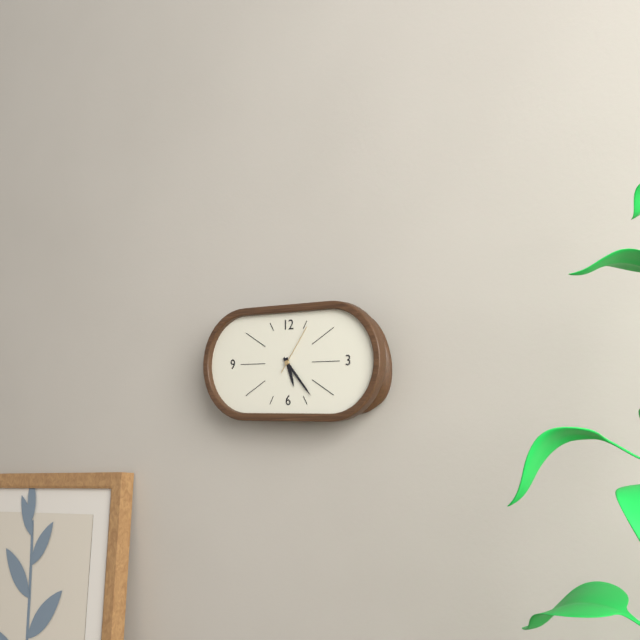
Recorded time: **5:23:06**
